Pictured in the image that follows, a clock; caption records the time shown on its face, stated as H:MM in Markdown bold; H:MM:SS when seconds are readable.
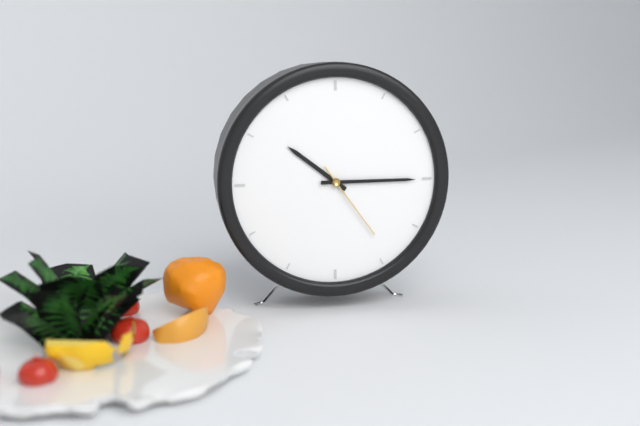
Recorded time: **10:15:24**
